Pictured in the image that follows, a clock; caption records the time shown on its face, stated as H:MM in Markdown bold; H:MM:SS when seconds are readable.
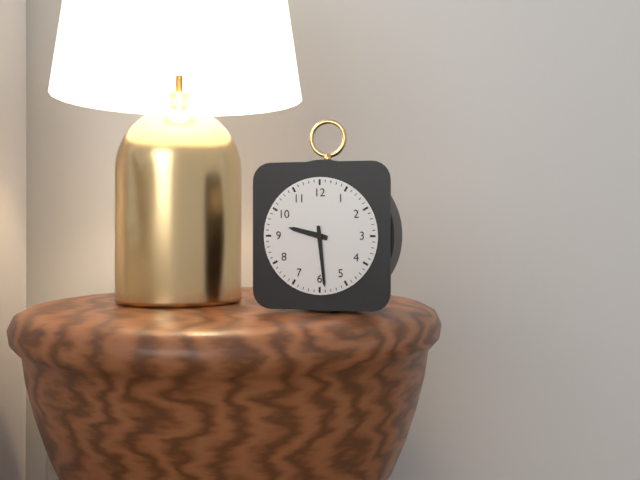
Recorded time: **9:29**
